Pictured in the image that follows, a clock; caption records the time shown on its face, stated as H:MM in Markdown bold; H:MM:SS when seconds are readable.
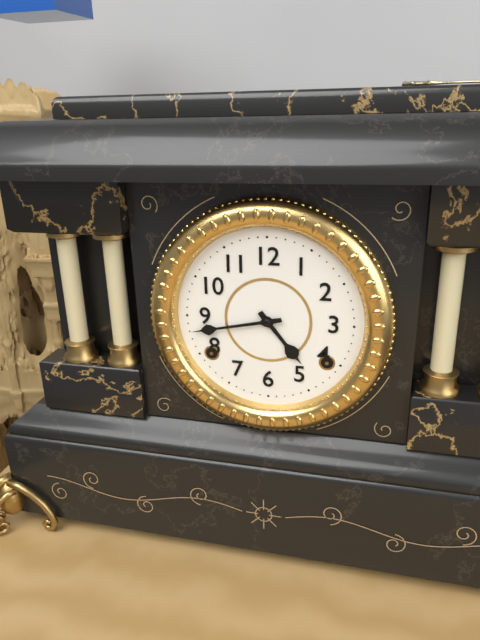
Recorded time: **4:43**
